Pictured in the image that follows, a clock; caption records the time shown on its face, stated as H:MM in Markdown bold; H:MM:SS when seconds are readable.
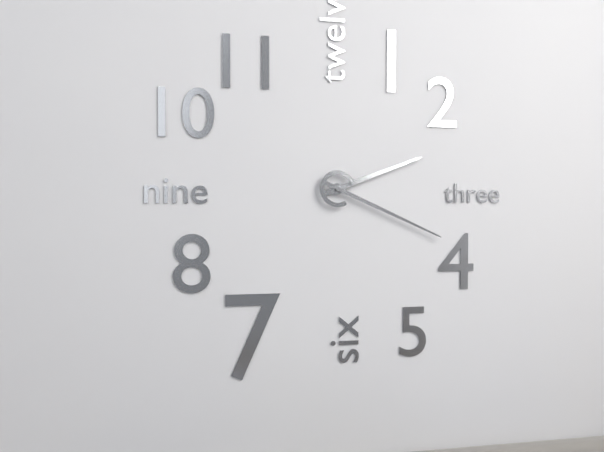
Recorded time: **2:19**
